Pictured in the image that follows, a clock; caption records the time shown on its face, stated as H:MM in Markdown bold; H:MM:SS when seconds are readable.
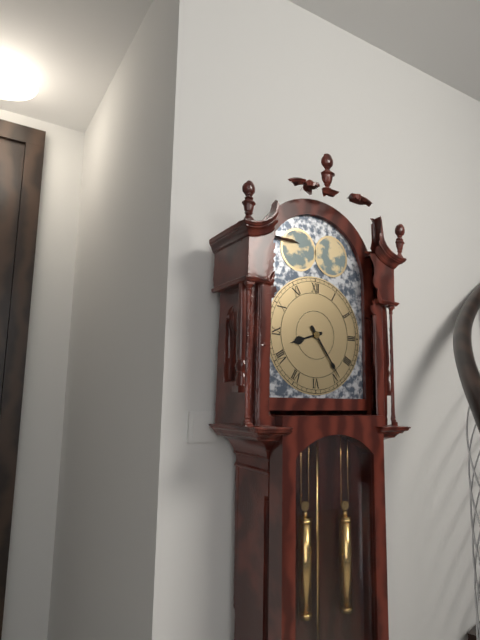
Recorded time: **8:24**
